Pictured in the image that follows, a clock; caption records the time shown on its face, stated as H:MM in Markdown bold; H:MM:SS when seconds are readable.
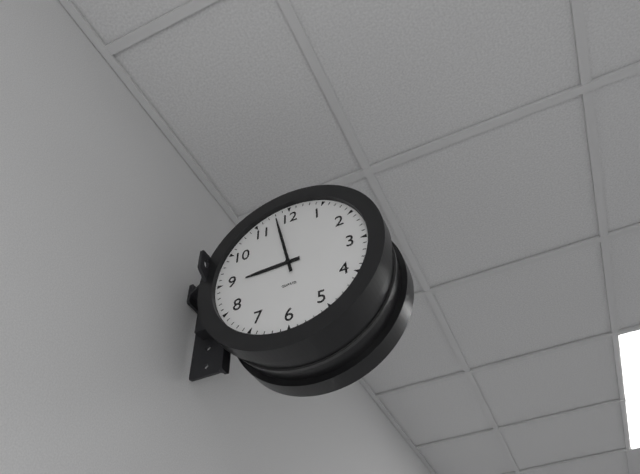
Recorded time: **8:58**
